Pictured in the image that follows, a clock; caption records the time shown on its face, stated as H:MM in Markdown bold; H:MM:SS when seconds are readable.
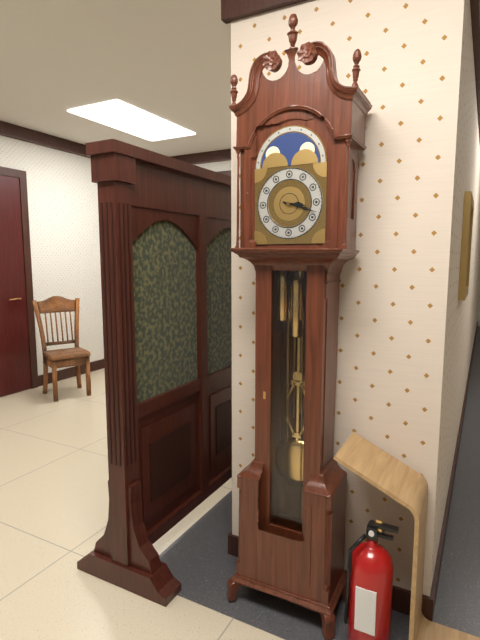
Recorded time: **3:18**
